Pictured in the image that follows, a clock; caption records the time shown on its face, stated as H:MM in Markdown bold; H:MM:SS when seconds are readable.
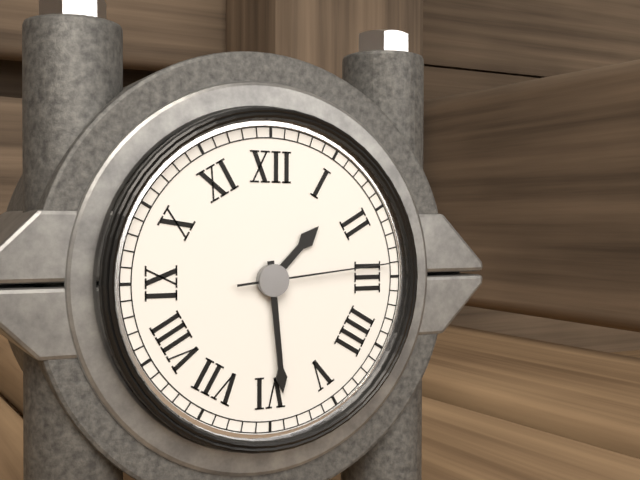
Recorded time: **1:29:14**
